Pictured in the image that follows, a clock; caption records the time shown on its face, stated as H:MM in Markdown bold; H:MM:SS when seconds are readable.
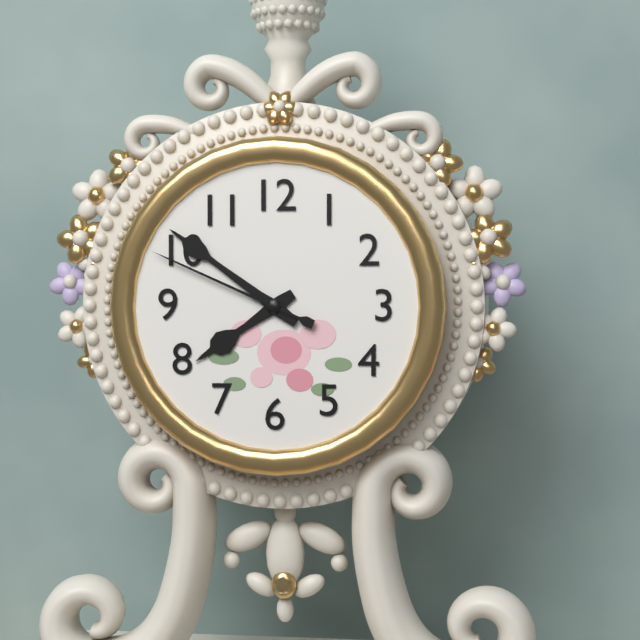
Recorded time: **7:51:49**
